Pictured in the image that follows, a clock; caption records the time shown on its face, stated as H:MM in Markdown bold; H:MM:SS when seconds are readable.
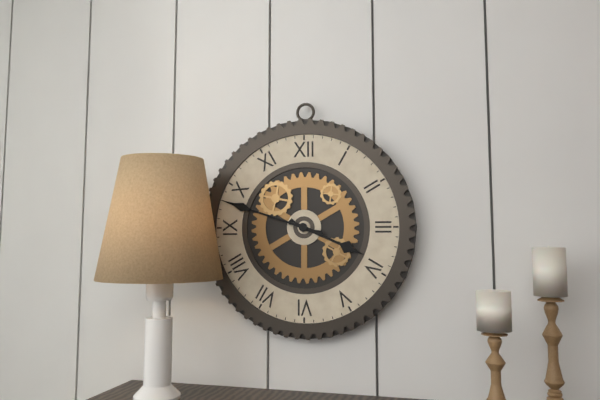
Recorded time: **3:48**
